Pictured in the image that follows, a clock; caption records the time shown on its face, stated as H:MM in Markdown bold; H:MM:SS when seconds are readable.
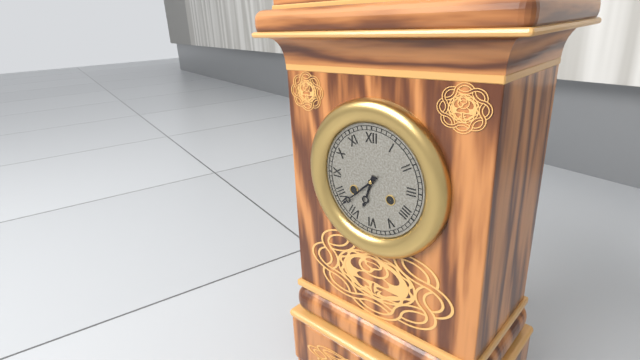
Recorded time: **6:38**
